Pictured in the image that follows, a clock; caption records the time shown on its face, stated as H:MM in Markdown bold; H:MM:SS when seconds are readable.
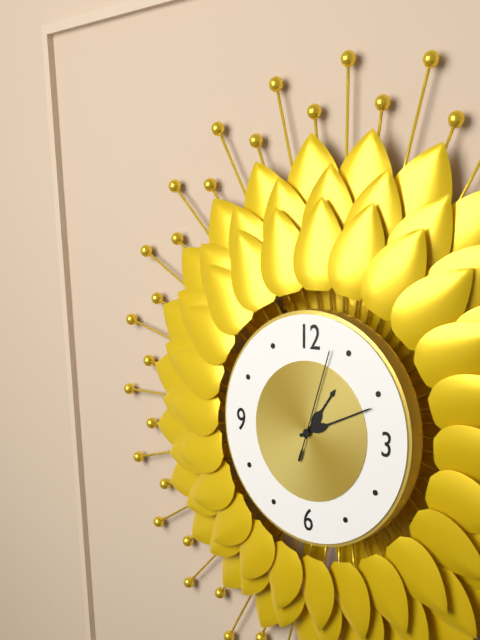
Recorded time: **1:11:03**
